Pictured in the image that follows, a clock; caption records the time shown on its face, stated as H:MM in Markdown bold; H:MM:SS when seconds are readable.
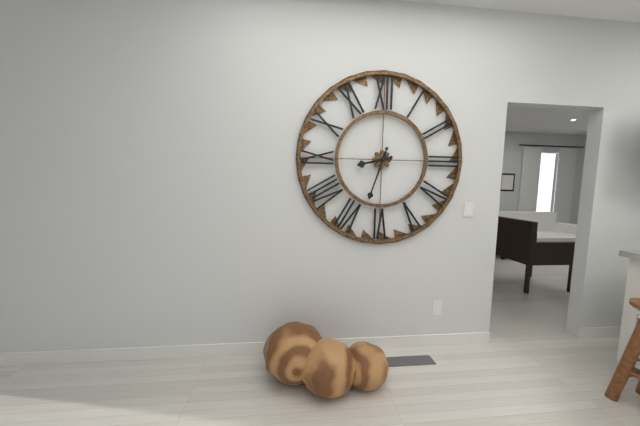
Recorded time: **8:33**
